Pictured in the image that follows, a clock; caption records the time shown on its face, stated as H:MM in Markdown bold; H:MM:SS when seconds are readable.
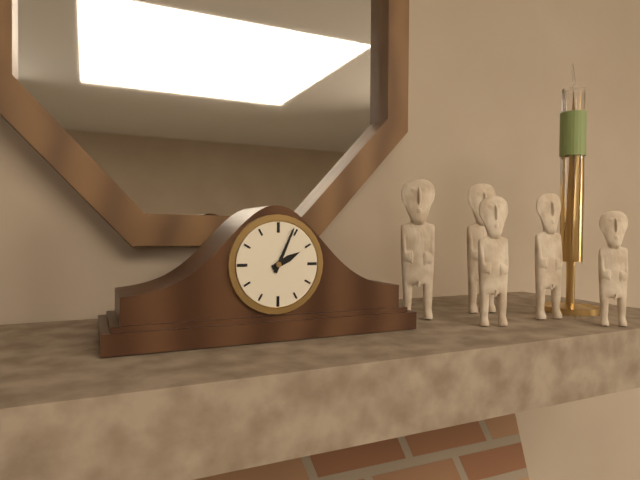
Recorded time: **2:04**
